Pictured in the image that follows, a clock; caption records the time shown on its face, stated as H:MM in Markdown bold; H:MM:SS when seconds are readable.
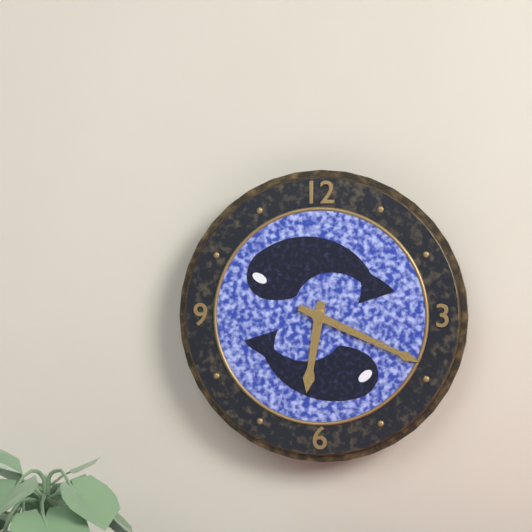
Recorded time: **6:19**
